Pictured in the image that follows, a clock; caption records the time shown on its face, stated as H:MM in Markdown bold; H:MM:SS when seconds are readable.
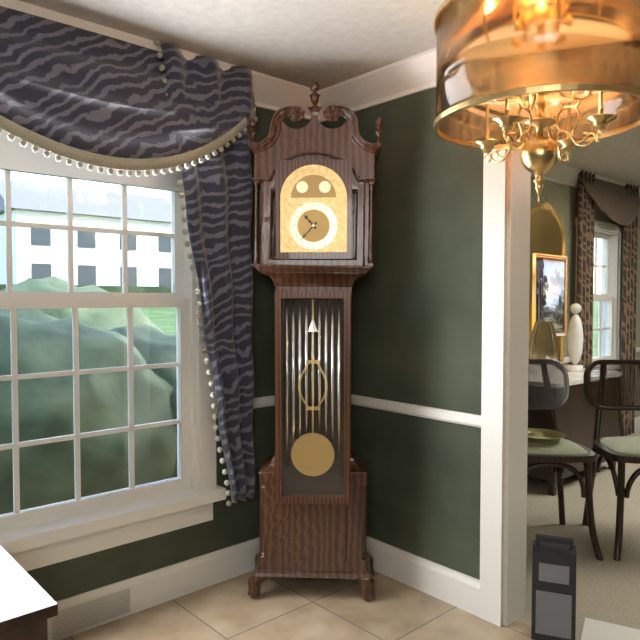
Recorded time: **10:37**
